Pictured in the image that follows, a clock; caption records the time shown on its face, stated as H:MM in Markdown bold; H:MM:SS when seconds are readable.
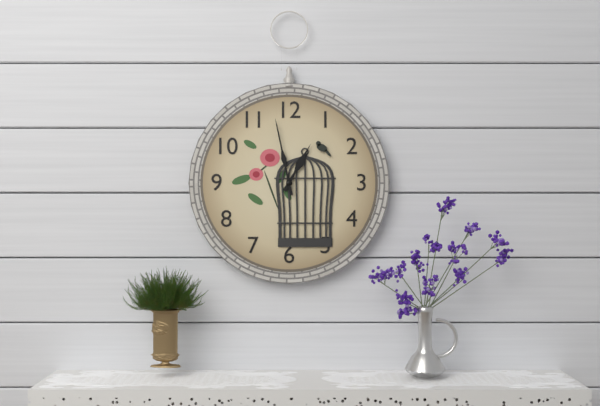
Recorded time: **12:58**
